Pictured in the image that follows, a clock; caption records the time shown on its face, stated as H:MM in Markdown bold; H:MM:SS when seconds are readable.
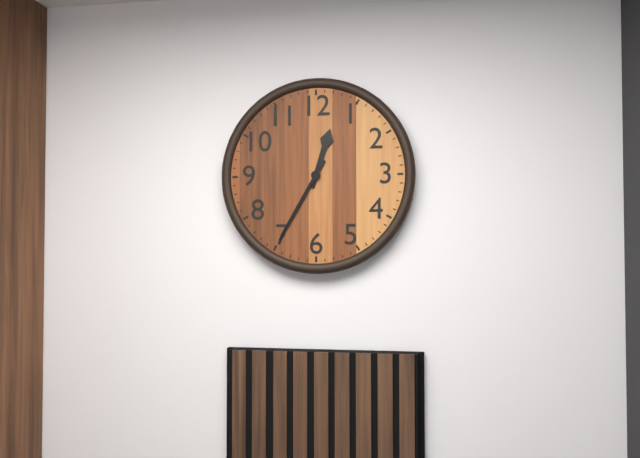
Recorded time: **12:35**
